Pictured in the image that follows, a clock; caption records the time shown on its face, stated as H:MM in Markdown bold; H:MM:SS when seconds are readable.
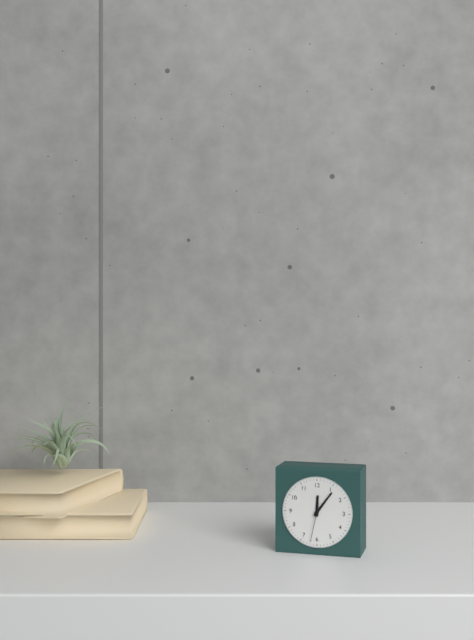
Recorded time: **12:06**
